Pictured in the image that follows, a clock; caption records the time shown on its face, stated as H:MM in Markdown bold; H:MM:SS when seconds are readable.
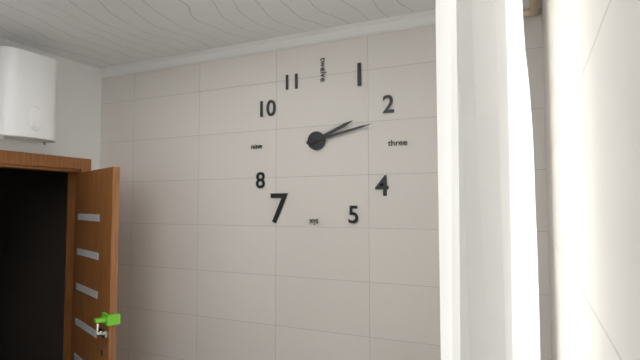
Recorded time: **2:13**
